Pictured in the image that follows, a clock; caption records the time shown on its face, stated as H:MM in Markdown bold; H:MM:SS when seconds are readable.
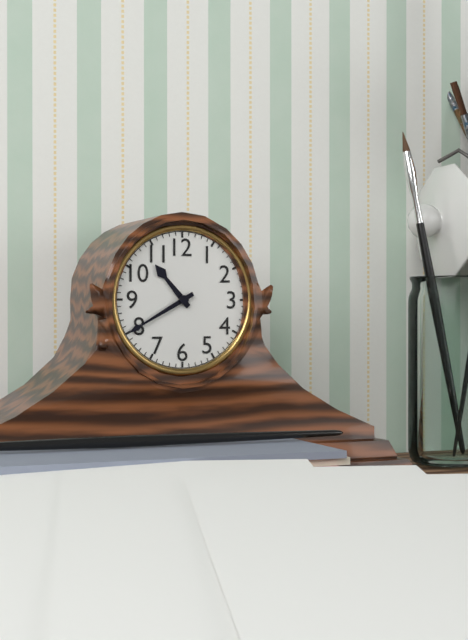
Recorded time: **10:40**
